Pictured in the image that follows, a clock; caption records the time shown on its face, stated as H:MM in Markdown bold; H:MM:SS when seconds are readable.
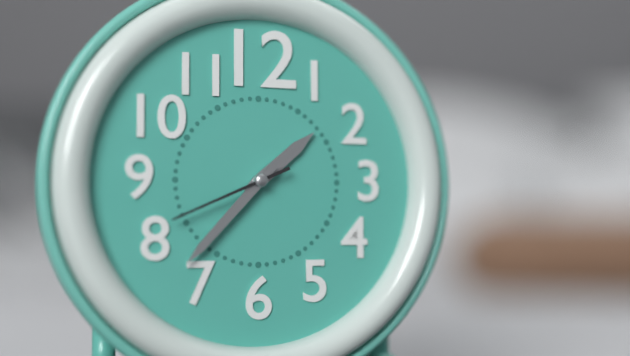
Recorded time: **1:37:41**
